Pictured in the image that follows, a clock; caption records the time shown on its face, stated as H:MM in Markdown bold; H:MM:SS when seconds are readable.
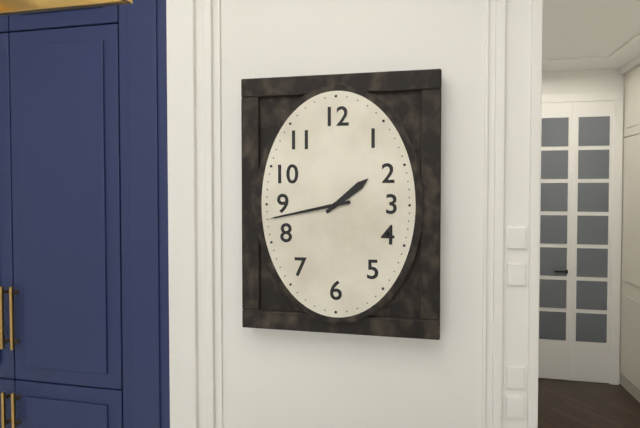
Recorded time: **1:43**
